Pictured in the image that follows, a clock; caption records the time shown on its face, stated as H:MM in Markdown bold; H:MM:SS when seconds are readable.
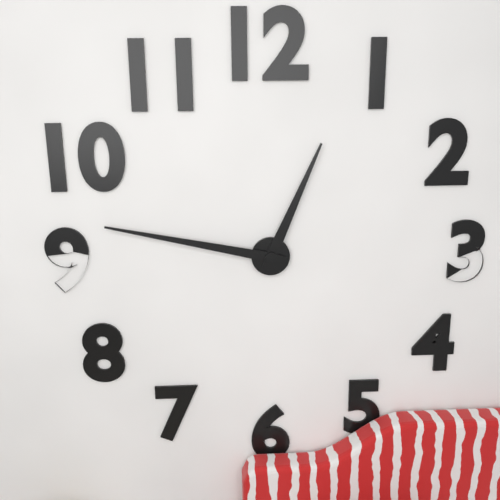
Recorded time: **12:47**
